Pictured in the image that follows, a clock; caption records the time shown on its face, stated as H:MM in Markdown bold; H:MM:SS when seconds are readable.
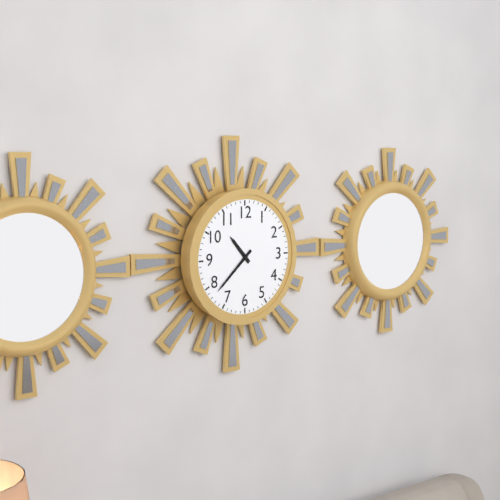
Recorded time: **10:38**
